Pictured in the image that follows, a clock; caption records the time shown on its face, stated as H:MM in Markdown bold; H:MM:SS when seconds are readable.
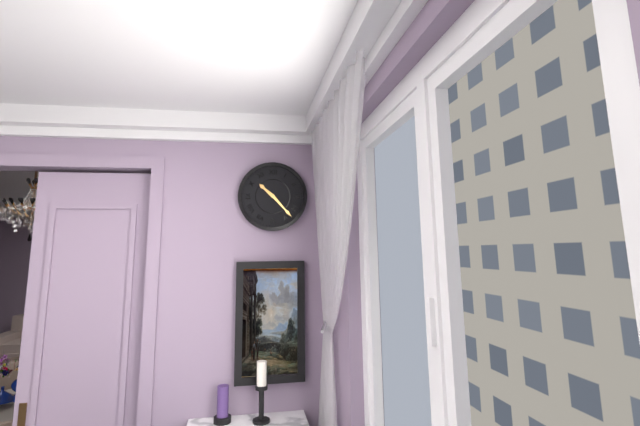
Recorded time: **10:23**
